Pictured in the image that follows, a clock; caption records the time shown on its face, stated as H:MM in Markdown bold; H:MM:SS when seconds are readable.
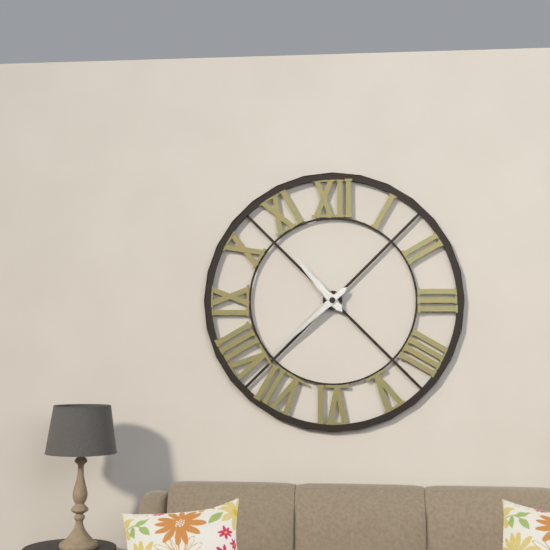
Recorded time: **10:38**
